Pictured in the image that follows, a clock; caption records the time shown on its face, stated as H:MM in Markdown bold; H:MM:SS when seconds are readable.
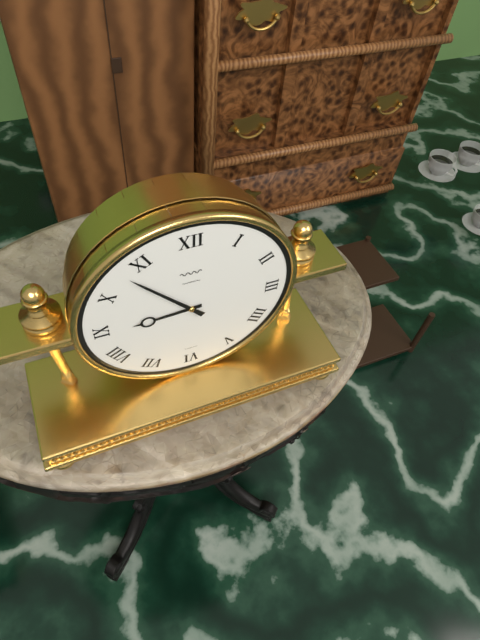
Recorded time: **8:53**
